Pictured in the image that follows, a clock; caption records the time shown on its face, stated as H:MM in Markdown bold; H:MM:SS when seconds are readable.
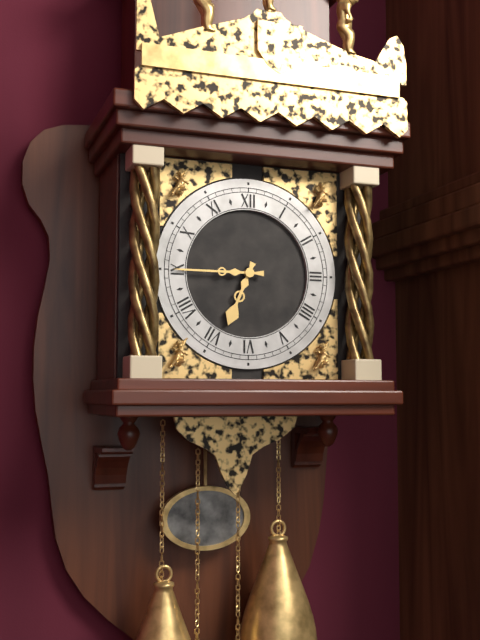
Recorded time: **6:45**
